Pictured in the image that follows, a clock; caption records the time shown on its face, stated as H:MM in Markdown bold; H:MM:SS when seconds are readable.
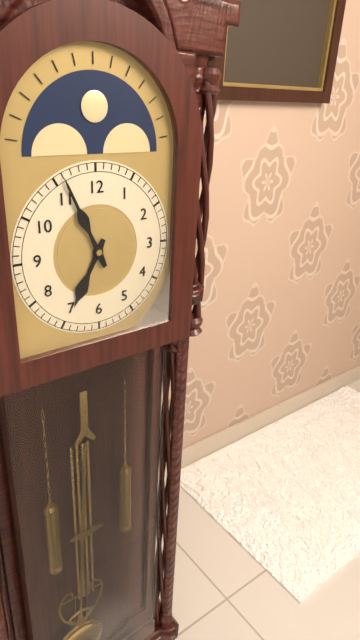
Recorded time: **6:56**
